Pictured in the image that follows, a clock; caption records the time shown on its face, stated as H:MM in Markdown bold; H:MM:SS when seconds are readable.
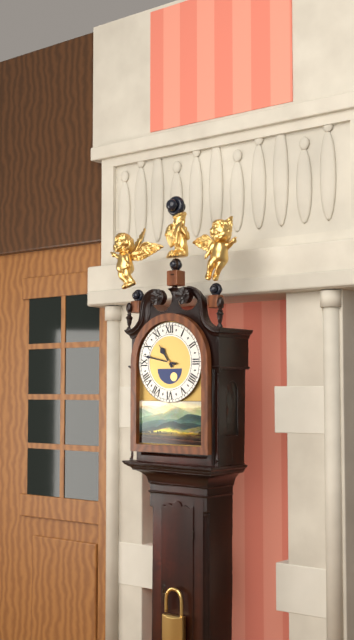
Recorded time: **10:47**
